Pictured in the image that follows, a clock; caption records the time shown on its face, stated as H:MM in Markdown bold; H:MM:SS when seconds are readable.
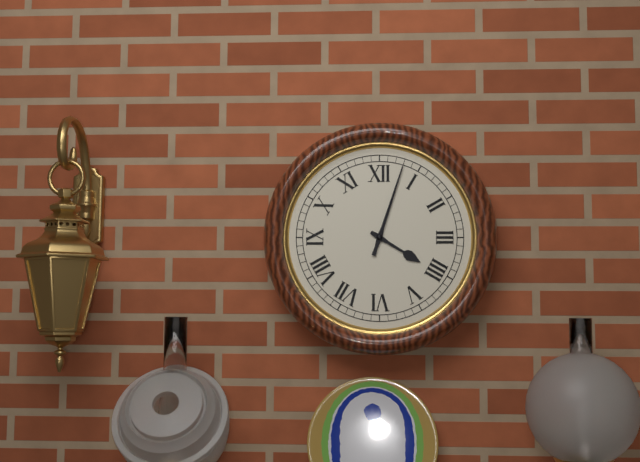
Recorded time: **4:03**
